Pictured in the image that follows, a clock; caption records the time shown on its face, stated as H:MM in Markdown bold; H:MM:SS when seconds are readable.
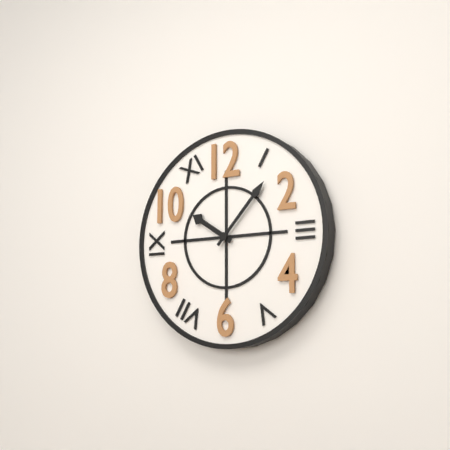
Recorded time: **10:07**
